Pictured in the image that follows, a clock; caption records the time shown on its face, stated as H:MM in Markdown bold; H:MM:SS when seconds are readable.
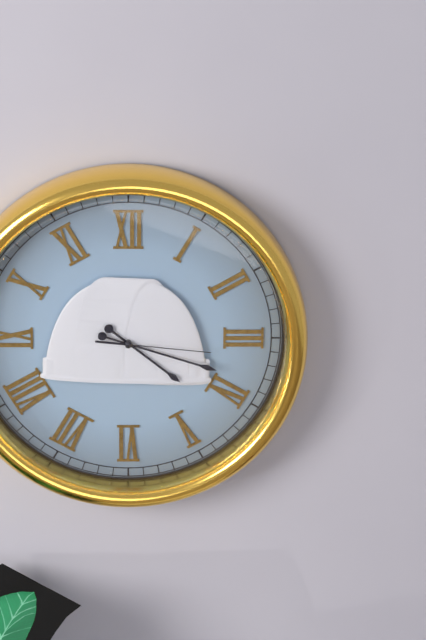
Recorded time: **4:18:16**
